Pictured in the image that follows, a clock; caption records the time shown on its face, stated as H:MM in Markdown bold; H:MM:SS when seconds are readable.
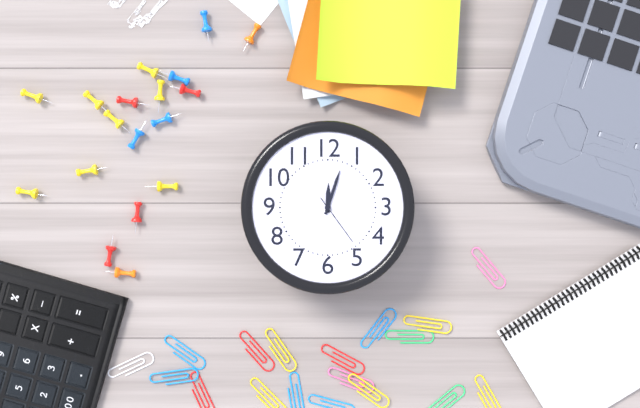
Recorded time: **12:03:24**
